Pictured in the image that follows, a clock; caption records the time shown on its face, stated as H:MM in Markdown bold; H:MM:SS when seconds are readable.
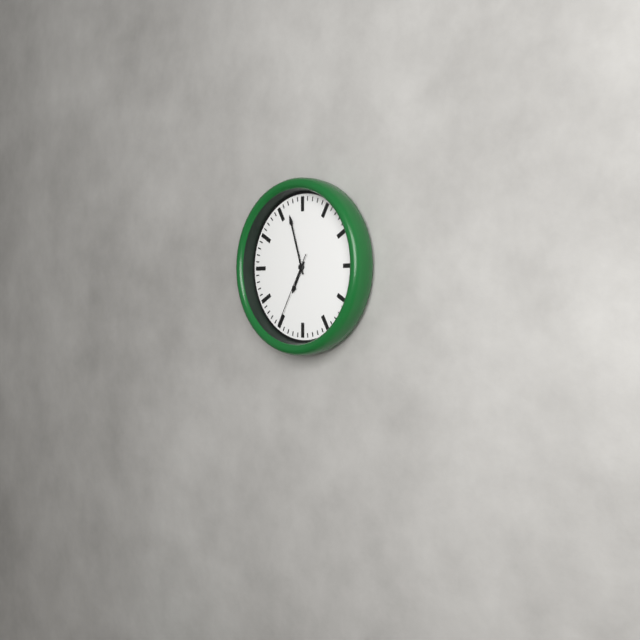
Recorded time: **6:57:35**
